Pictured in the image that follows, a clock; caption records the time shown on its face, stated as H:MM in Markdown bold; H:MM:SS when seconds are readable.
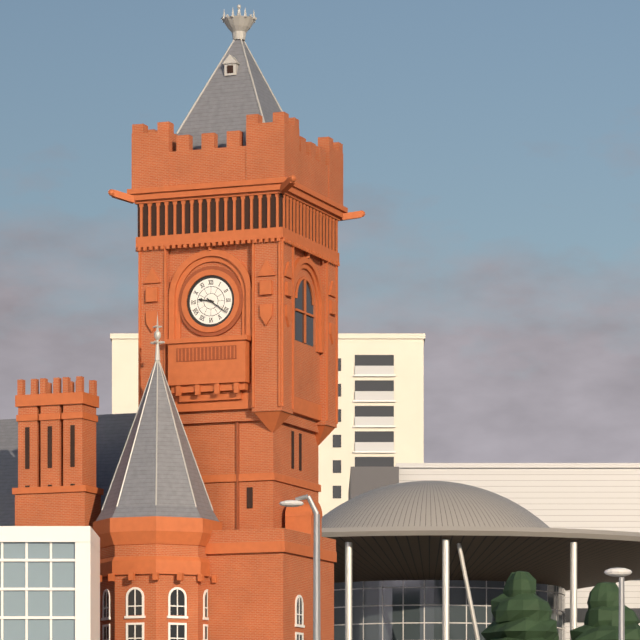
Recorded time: **9:21**
